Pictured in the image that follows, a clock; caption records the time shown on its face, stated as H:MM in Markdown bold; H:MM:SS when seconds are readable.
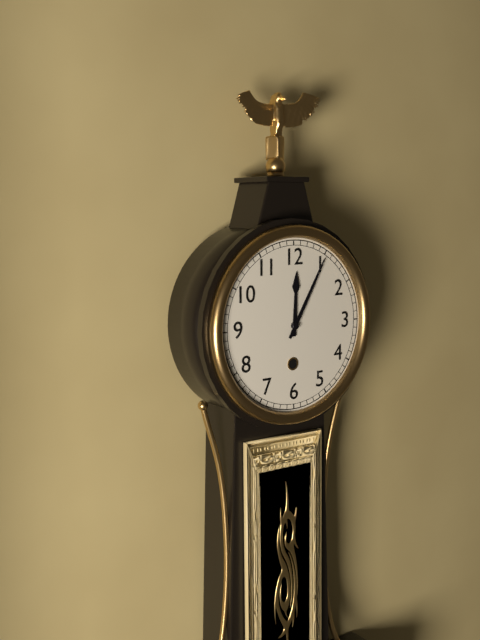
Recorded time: **12:05**
